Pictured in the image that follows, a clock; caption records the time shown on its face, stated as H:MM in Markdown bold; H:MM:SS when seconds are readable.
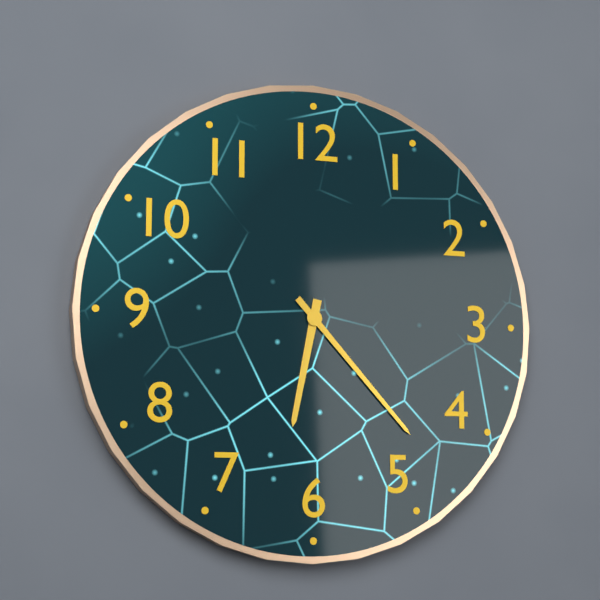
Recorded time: **6:23**
